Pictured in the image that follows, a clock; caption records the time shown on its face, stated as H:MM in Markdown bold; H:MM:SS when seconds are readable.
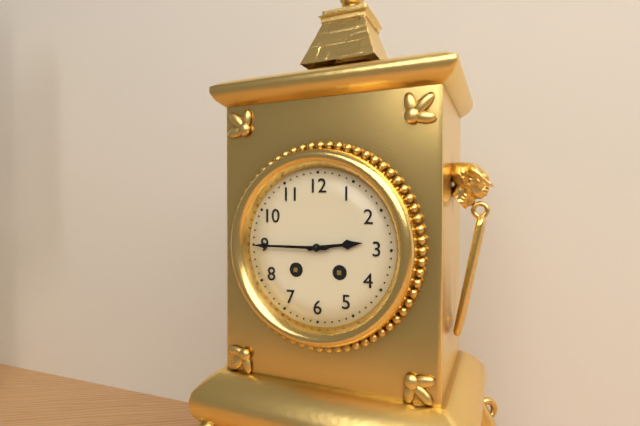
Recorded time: **2:45**
